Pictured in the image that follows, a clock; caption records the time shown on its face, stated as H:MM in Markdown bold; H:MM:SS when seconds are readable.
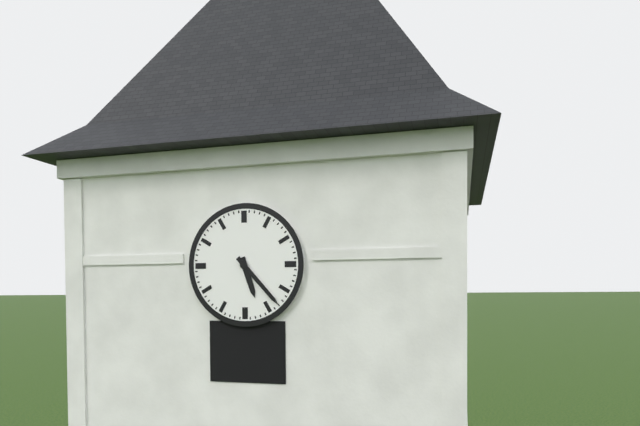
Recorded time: **5:23**
